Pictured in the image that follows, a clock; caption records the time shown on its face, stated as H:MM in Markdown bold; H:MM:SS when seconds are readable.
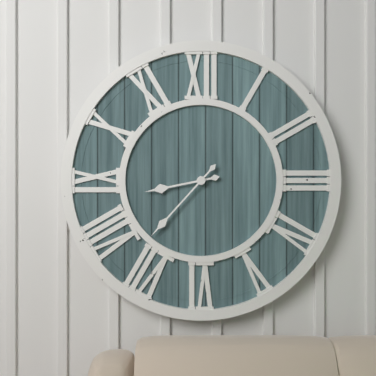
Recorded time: **8:37**
